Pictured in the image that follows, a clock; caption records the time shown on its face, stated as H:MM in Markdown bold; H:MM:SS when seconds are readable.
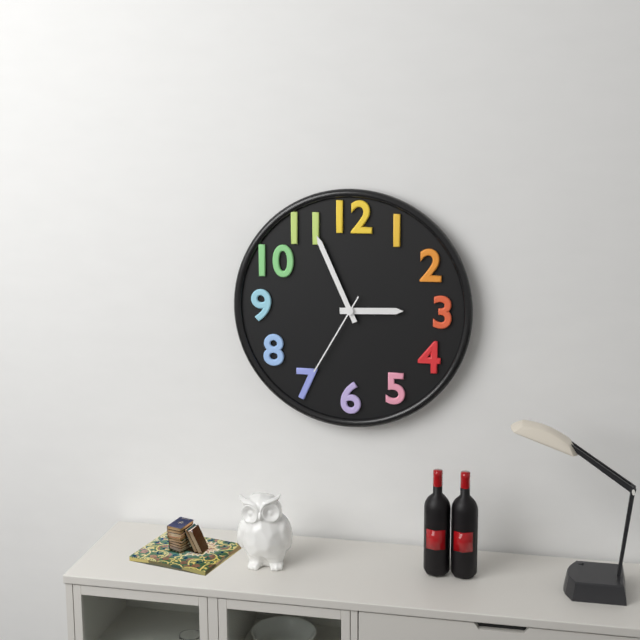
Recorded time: **2:56:35**
